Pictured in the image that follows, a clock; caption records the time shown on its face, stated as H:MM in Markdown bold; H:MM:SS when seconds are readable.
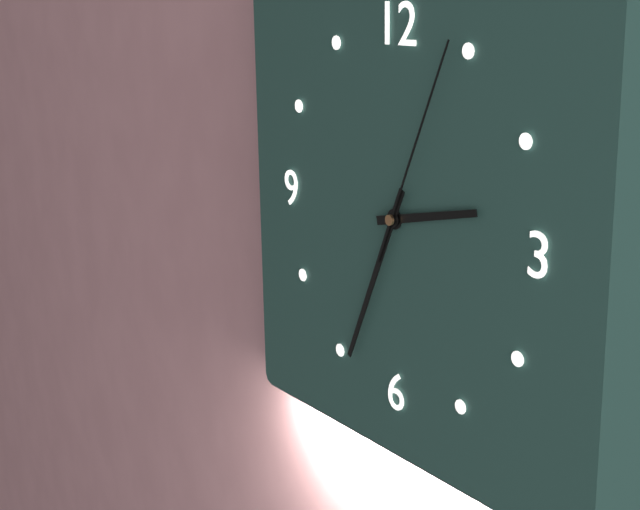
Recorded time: **2:34:04**
